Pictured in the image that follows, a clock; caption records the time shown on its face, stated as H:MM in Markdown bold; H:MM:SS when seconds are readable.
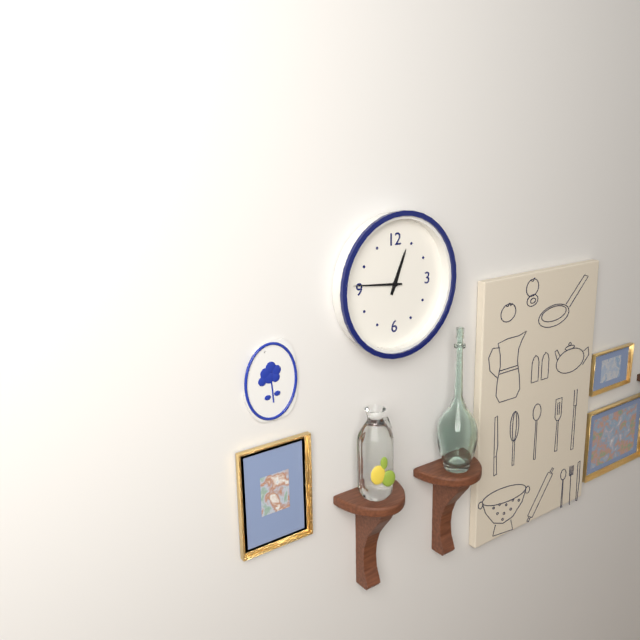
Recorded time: **12:46**
